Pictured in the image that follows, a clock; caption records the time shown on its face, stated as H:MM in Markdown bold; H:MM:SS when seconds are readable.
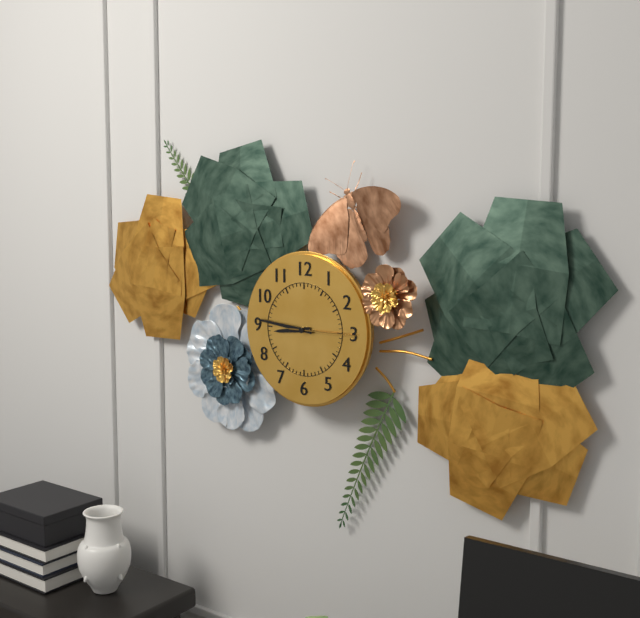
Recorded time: **8:46:15**
